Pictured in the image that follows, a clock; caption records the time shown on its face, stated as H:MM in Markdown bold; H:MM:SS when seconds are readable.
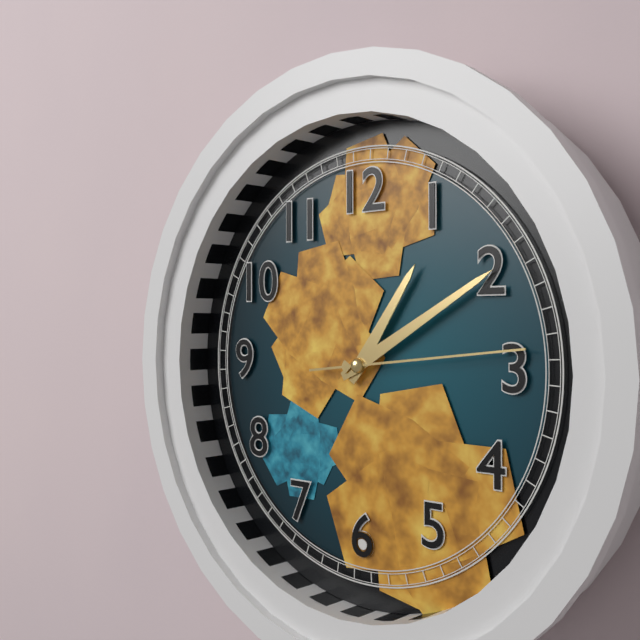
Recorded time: **1:10:14**
